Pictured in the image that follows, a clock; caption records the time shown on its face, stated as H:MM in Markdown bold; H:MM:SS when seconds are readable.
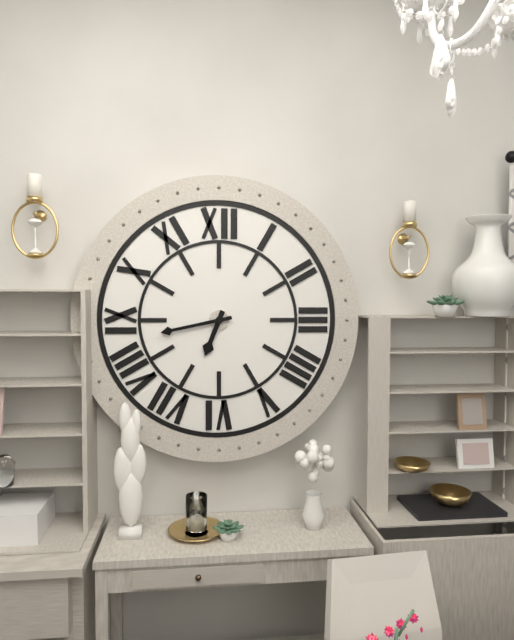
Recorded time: **6:43**
